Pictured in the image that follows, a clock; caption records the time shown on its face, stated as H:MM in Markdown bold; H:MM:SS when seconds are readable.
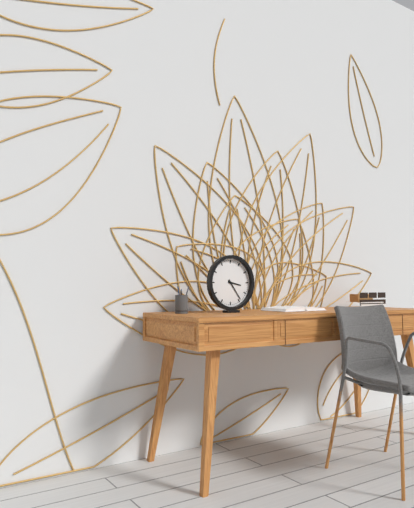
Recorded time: **3:24**
